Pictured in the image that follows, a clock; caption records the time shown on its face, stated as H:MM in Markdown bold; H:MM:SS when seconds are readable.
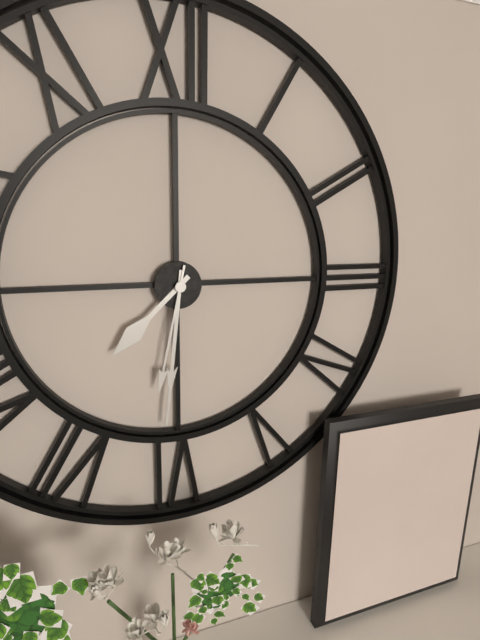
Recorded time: **7:31:32**
